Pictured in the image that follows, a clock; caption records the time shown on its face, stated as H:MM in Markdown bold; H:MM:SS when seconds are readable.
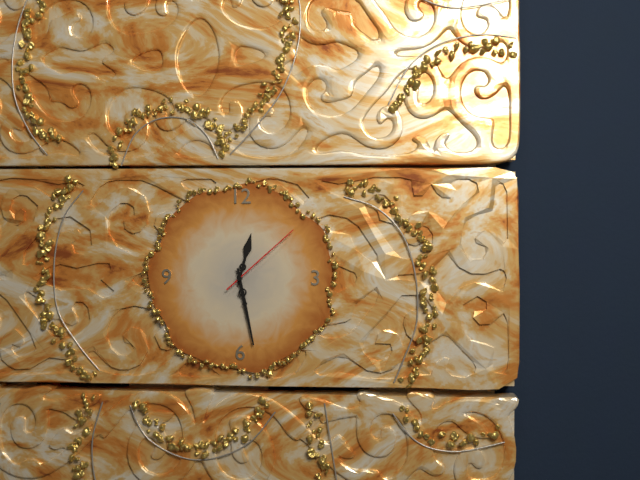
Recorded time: **12:28:08**
